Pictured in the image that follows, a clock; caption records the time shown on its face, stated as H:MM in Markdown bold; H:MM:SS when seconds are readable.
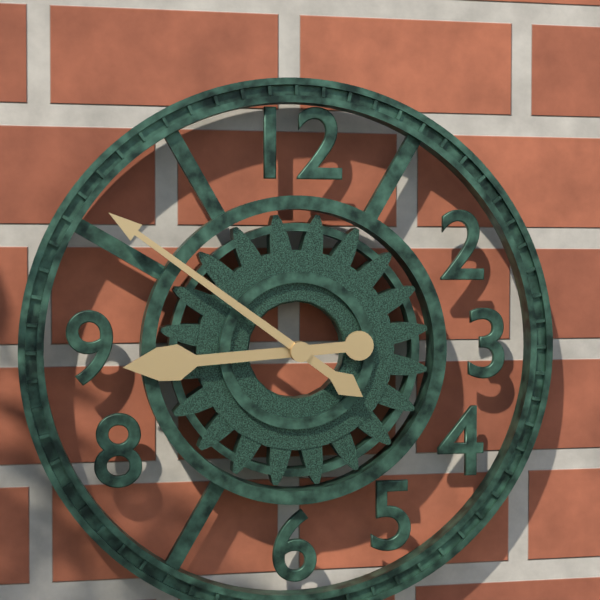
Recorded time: **8:51**
